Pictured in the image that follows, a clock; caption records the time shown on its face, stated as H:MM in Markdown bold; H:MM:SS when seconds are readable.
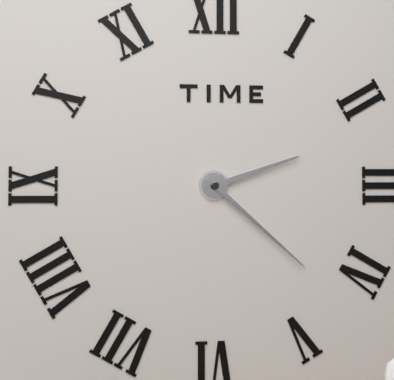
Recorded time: **2:22**
